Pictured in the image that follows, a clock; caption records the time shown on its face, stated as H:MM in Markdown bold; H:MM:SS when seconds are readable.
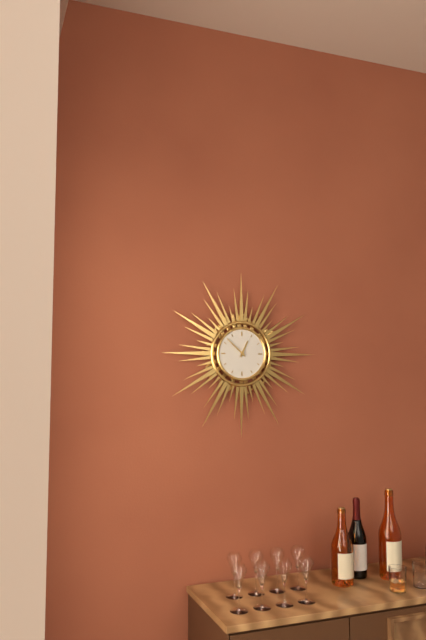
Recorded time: **12:52**
